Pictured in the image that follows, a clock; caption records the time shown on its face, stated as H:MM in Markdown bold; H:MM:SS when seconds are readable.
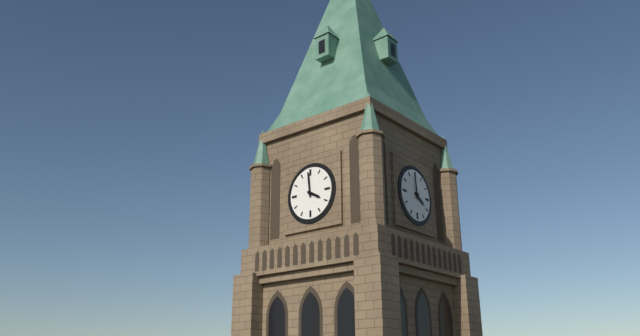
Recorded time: **3:59**
